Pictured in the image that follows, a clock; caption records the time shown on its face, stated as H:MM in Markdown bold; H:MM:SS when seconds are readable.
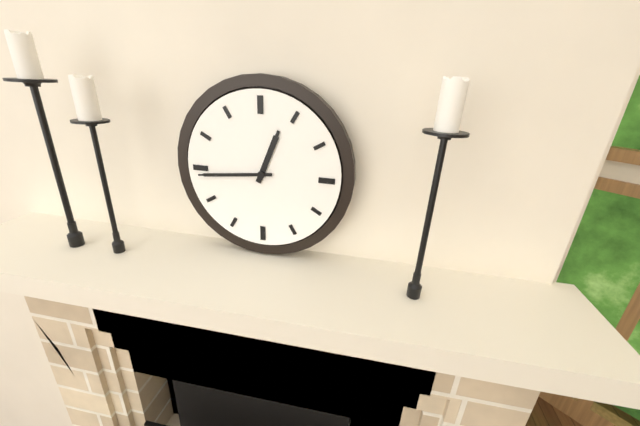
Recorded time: **12:44**
